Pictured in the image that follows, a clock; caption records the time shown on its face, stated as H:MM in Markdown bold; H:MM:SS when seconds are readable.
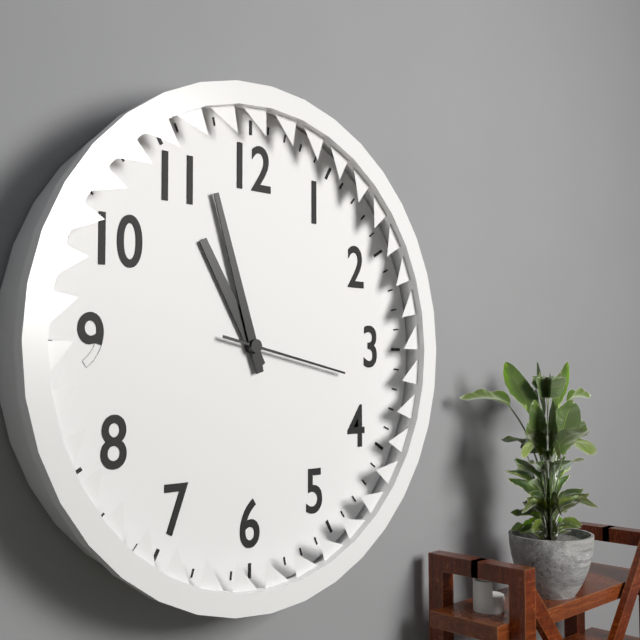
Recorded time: **10:57:17**
